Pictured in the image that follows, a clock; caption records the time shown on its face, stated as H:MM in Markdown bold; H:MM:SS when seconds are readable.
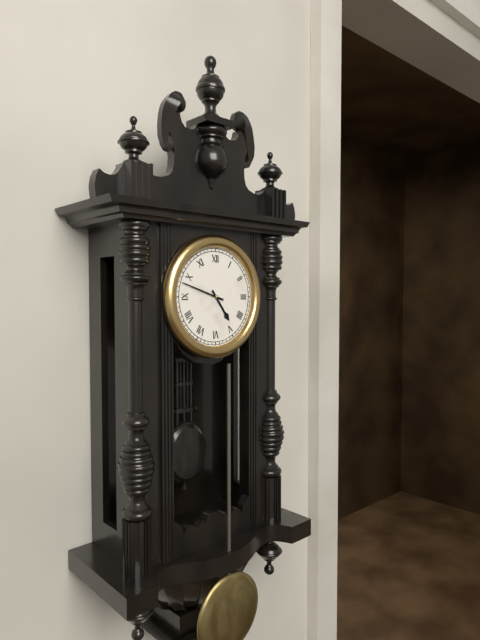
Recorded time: **4:48**
